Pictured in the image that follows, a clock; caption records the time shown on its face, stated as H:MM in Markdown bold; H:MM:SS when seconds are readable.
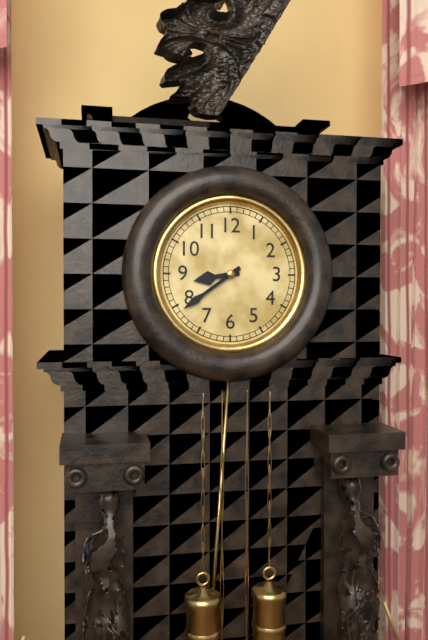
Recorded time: **8:39**
